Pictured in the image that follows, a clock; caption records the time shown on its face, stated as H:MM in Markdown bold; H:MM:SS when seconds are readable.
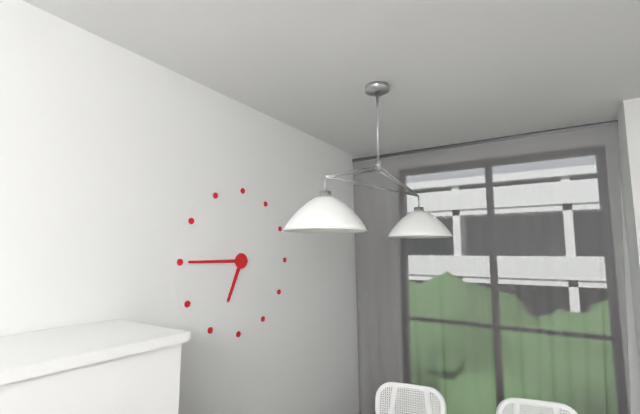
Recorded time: **6:45**
